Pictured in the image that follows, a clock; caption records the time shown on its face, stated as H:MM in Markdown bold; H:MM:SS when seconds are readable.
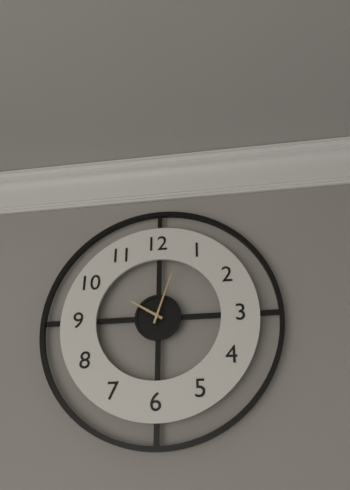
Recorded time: **10:03**
